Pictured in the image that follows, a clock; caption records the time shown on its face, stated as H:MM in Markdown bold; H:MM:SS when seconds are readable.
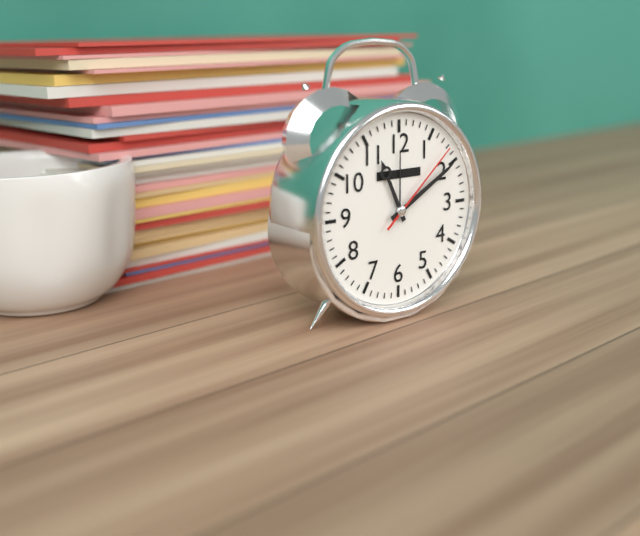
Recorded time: **11:10:08**
